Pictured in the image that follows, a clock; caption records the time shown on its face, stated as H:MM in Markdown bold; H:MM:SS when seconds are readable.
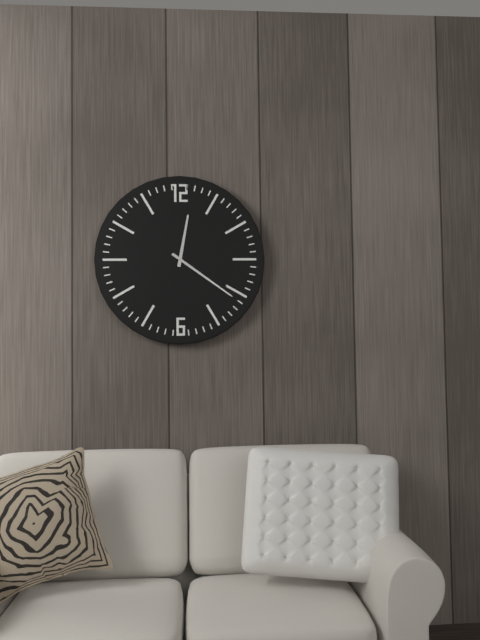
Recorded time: **12:21**
